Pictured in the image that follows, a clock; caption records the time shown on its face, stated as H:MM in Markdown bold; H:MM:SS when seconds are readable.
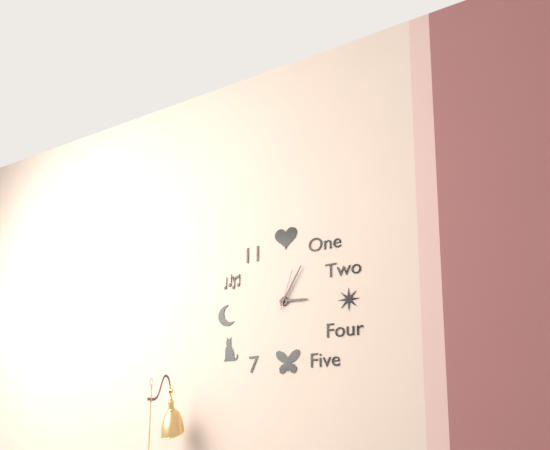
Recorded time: **3:05**
